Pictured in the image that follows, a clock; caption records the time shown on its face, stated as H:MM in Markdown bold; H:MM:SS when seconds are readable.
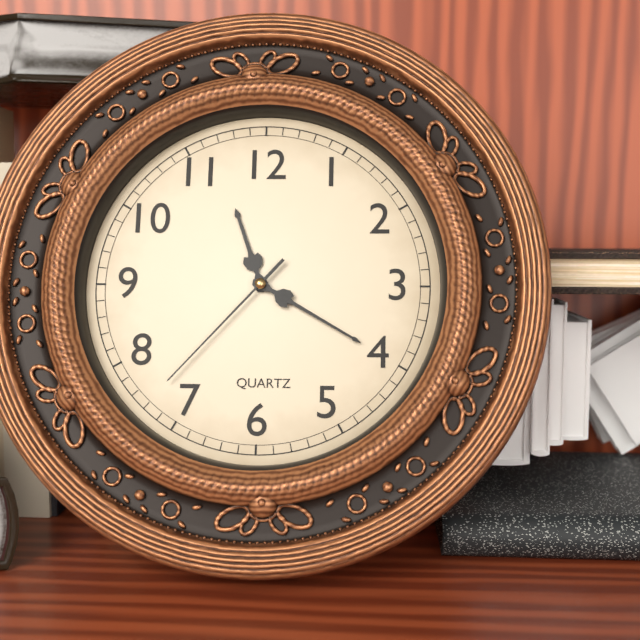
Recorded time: **11:20:37**
